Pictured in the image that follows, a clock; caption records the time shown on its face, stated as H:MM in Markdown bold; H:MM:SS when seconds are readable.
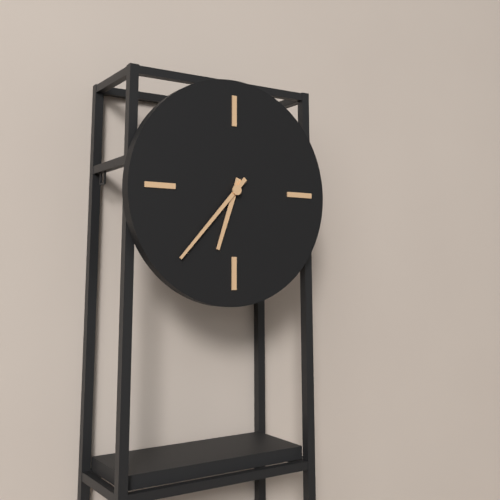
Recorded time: **6:37**
